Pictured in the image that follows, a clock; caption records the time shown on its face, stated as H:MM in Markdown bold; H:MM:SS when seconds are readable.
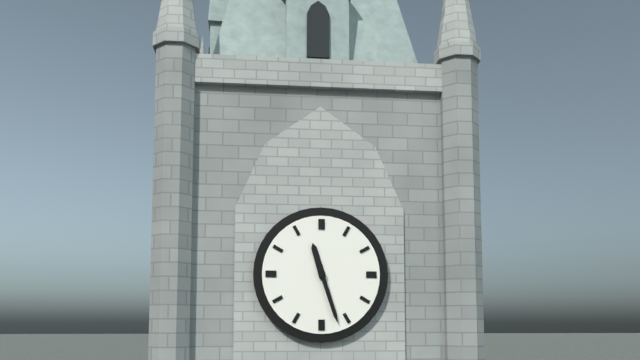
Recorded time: **11:27**
